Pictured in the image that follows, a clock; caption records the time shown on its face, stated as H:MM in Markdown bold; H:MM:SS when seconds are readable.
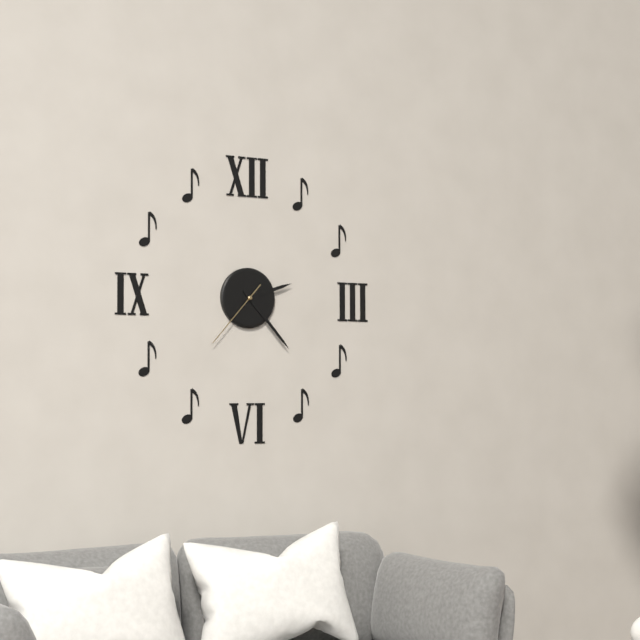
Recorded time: **2:23:37**
